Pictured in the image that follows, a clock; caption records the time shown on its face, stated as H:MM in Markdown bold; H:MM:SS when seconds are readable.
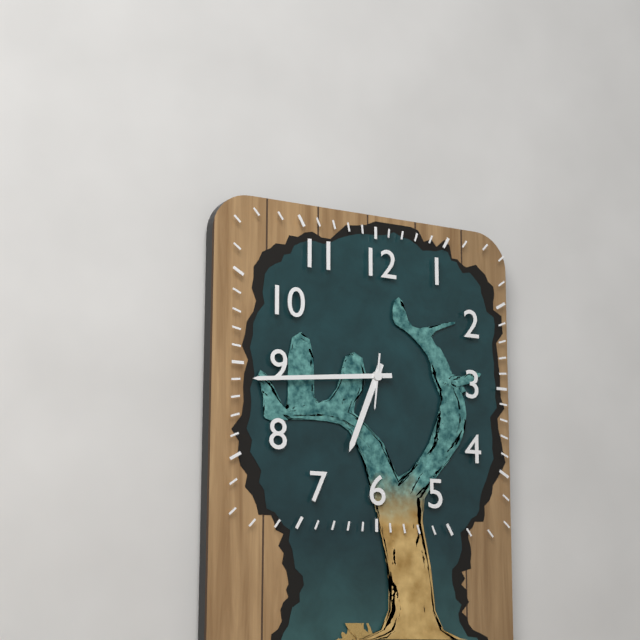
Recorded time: **6:44**
